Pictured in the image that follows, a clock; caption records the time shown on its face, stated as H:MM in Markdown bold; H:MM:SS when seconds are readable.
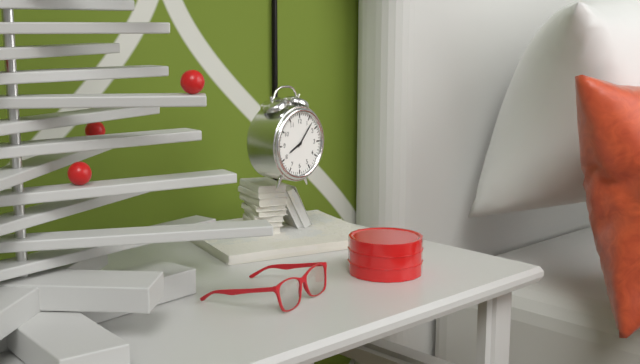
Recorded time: **8:07**
